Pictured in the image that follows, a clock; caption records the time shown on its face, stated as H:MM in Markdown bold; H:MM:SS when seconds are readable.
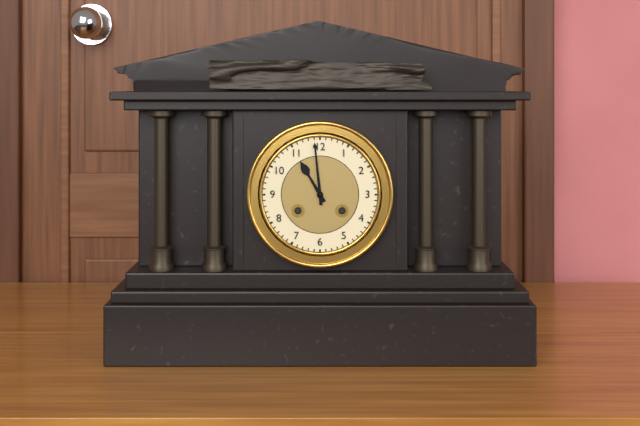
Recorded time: **10:59**
